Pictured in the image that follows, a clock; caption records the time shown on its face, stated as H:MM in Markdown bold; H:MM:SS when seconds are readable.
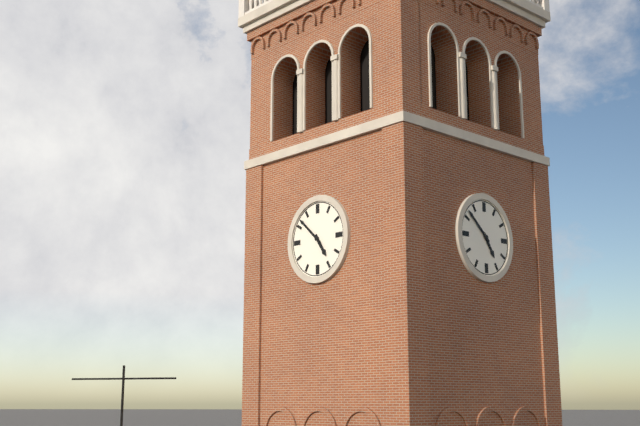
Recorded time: **4:52**
